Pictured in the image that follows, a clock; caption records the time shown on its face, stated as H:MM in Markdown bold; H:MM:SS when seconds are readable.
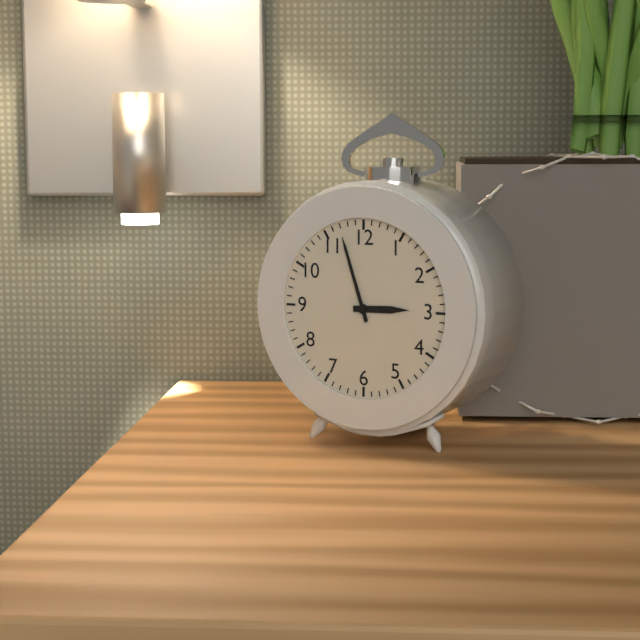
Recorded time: **2:57**
